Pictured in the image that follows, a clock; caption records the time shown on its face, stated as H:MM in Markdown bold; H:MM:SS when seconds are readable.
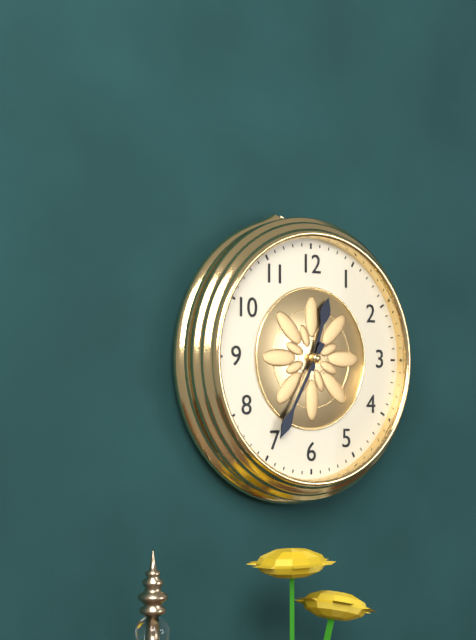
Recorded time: **12:35**
